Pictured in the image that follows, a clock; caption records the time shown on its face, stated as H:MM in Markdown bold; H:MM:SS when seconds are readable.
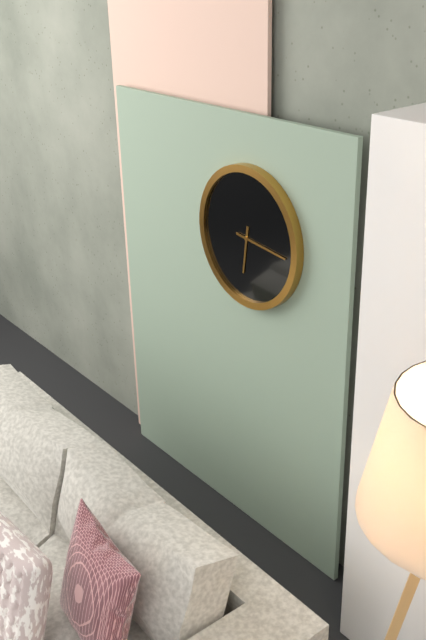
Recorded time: **6:16**
